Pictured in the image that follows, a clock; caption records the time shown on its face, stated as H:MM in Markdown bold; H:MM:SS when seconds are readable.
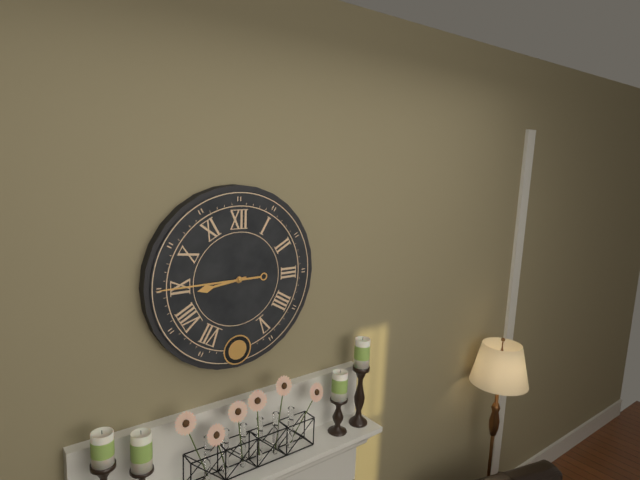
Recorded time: **8:45**
